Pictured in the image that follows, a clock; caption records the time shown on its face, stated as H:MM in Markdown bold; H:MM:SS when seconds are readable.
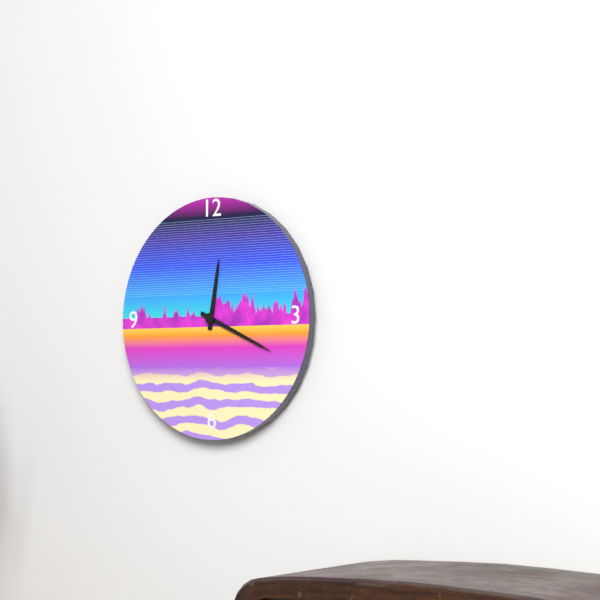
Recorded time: **12:19**
